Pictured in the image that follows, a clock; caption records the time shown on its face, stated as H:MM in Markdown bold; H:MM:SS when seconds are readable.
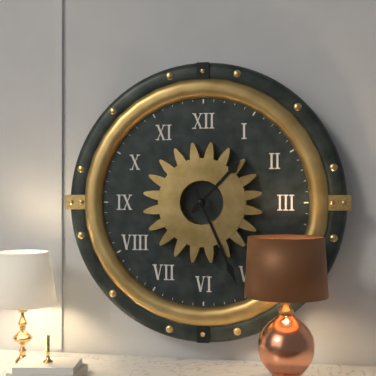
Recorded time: **1:26**
